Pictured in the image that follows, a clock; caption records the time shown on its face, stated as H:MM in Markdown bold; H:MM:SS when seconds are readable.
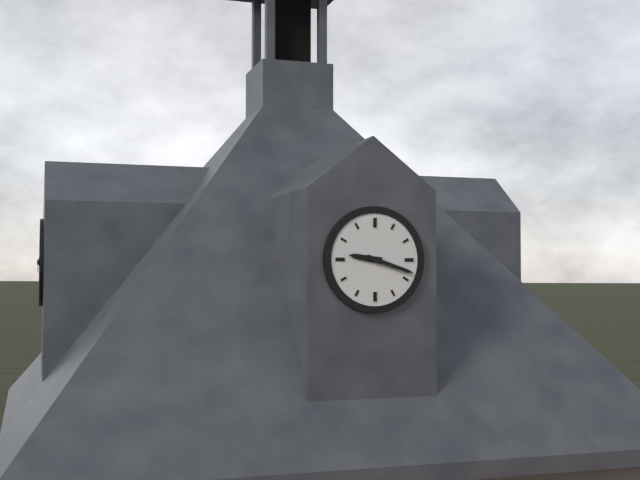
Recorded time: **9:18**
